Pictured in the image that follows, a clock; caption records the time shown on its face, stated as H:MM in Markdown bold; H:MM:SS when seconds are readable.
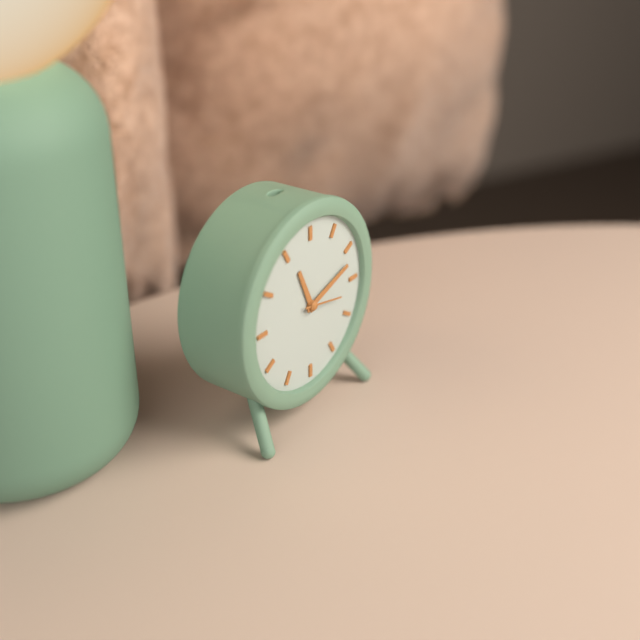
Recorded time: **11:12**
